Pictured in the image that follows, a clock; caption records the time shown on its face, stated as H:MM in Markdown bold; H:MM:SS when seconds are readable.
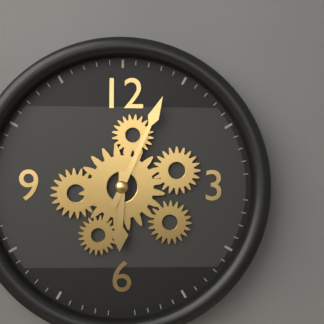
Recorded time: **6:04**
